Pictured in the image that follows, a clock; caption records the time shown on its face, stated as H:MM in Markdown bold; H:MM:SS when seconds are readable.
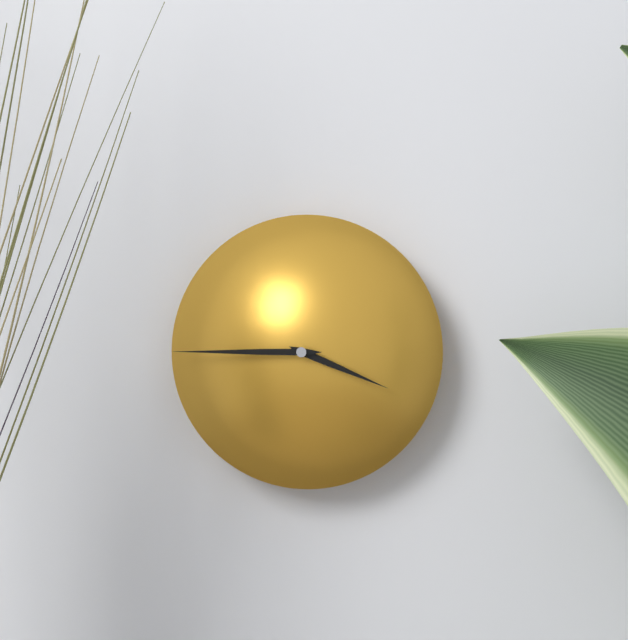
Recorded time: **3:45**
